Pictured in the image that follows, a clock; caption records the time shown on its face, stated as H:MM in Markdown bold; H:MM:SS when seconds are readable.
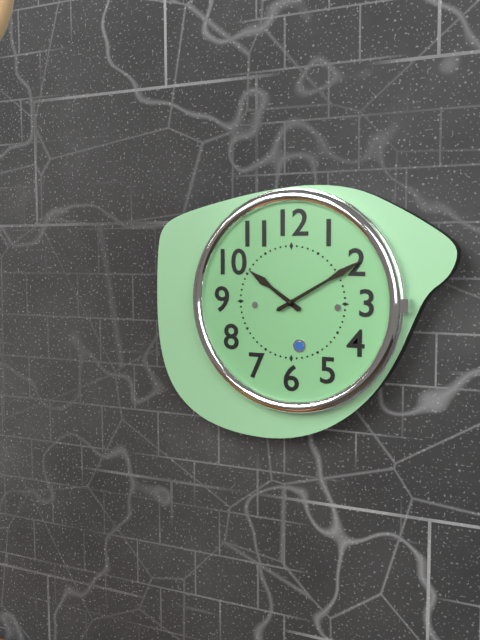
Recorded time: **10:10**
